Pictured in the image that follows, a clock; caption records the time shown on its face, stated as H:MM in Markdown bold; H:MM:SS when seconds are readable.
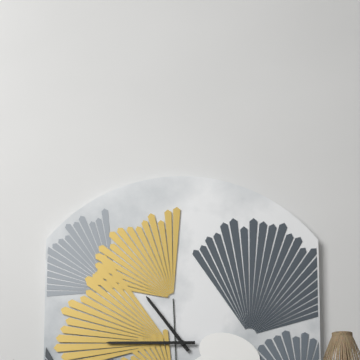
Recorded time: **10:45**
